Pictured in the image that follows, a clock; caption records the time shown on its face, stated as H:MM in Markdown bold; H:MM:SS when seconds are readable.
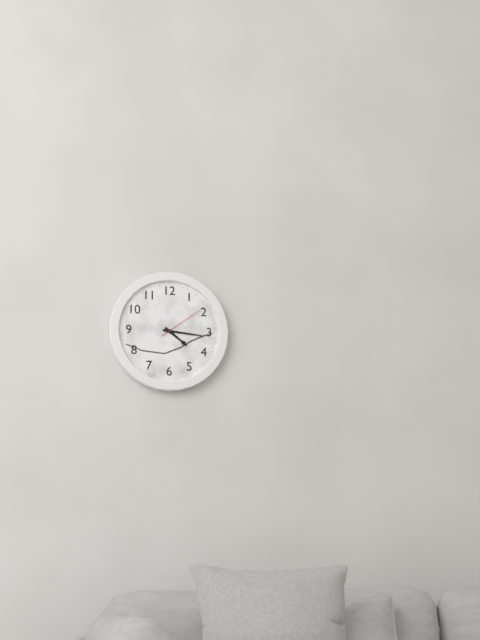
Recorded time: **4:16**
